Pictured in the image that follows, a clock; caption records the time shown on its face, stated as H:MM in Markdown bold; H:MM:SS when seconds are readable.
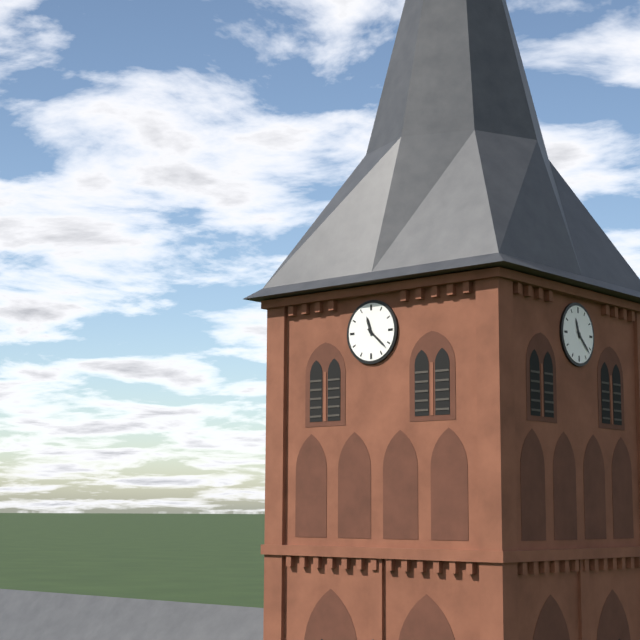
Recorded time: **11:22**
